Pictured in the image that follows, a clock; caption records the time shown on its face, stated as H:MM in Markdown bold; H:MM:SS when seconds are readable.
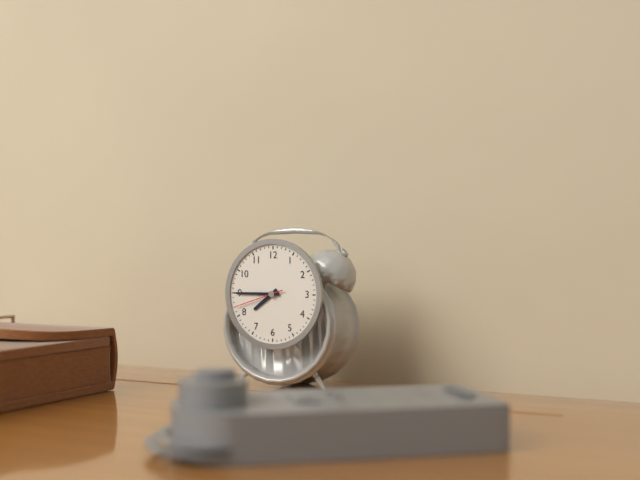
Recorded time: **7:45:42**
